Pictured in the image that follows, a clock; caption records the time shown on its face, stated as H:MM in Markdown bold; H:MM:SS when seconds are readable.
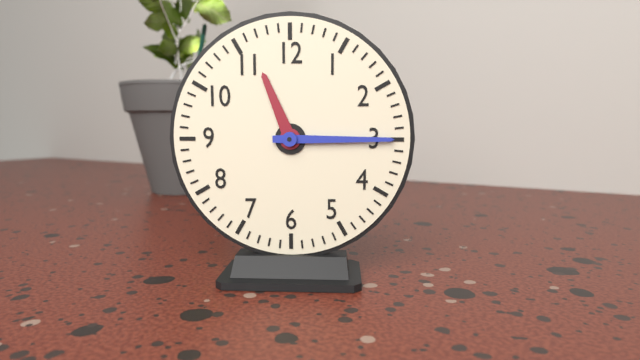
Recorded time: **11:15**
